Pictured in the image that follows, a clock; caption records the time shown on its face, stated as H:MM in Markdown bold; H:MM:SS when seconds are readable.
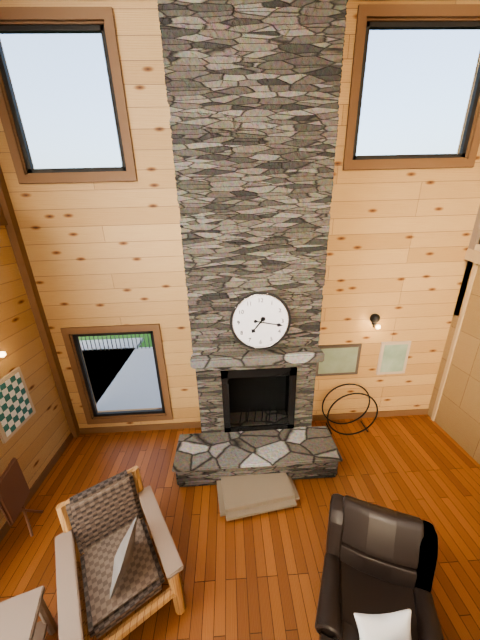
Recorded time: **7:17**
